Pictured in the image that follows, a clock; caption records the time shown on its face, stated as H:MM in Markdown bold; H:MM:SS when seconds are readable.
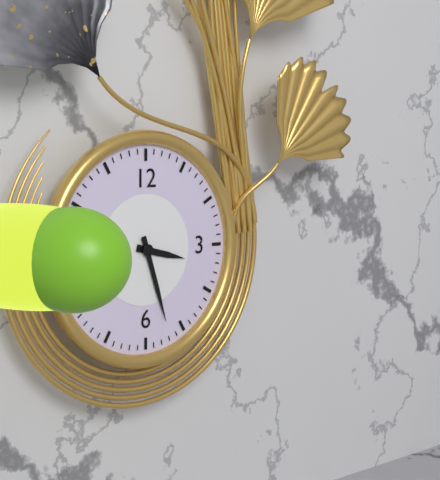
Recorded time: **3:27**
